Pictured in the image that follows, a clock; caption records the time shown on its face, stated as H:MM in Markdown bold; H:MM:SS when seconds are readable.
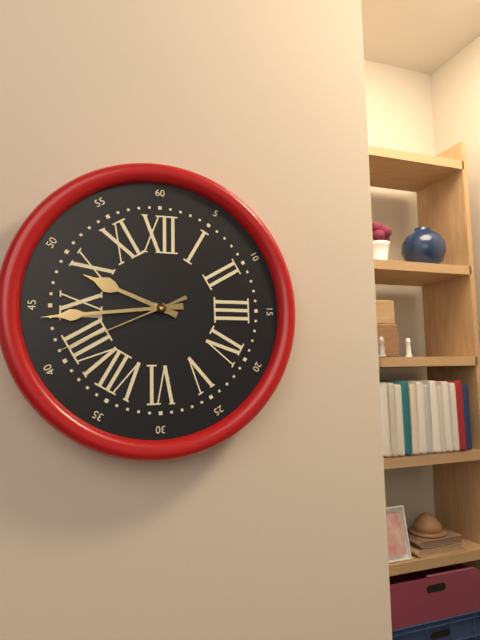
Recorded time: **9:44:41**
